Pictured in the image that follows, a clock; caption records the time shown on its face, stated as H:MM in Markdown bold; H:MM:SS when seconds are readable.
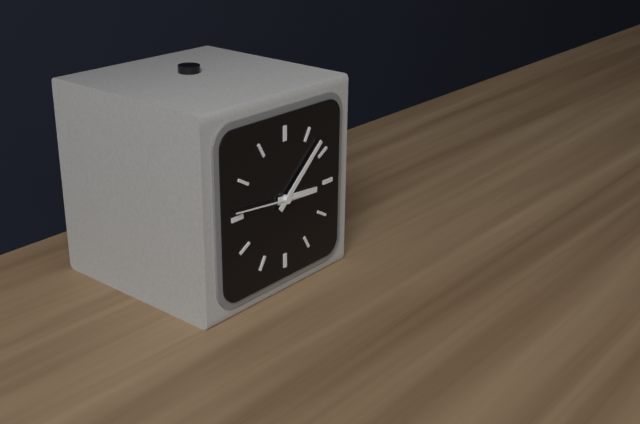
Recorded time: **3:08:46**
